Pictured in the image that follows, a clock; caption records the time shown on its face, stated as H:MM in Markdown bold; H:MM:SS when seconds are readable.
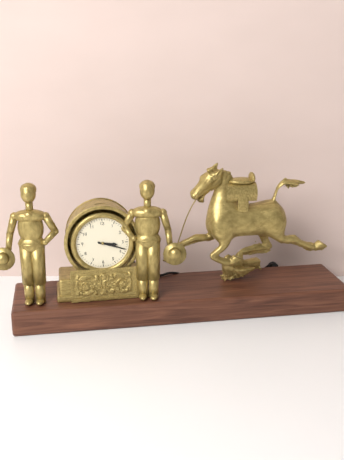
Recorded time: **3:18**
